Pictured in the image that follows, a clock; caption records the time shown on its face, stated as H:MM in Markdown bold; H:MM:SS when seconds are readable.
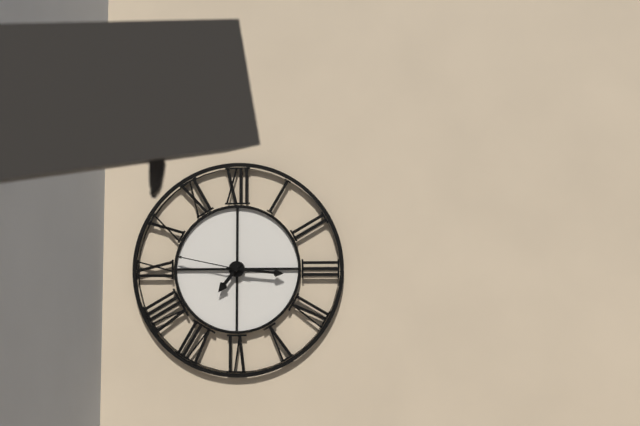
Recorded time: **7:16:47**
